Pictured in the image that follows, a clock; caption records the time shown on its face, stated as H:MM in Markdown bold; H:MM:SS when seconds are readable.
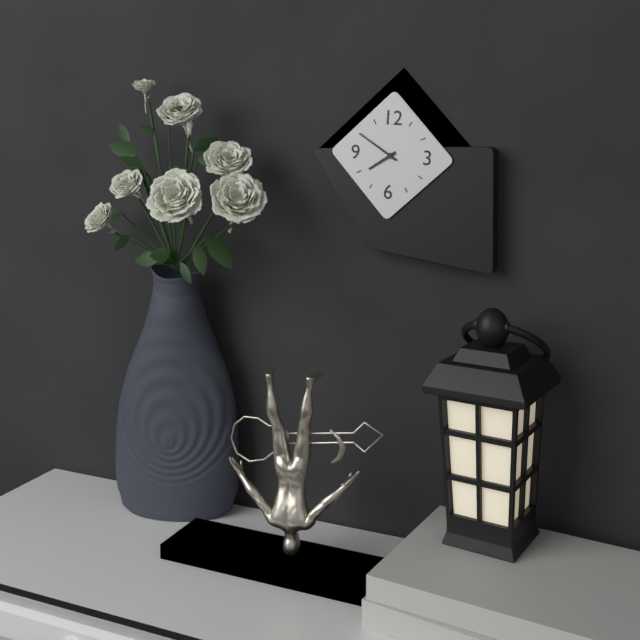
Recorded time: **7:50**
